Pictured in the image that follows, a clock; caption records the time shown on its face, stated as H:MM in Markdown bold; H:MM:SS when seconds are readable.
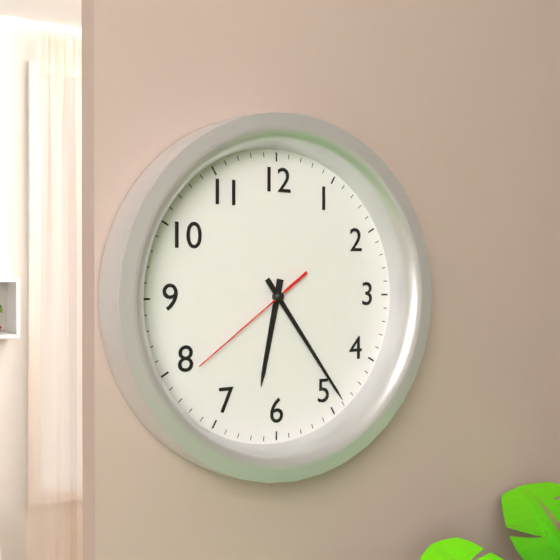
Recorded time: **6:24:39**
